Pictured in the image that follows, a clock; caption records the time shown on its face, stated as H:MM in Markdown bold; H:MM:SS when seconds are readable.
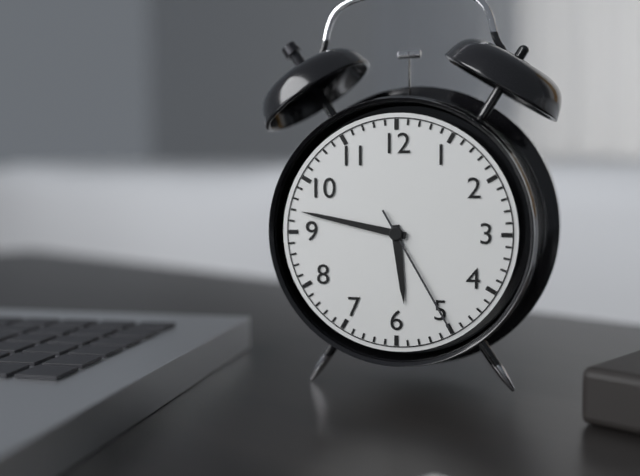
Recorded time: **5:47:25**
